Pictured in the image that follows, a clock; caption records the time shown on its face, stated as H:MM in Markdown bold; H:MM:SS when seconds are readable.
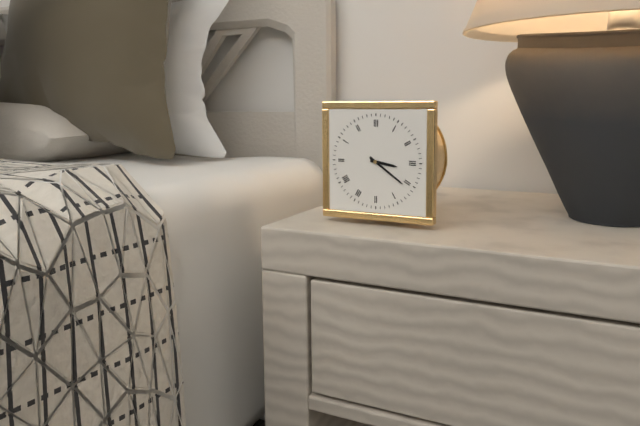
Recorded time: **3:21**
